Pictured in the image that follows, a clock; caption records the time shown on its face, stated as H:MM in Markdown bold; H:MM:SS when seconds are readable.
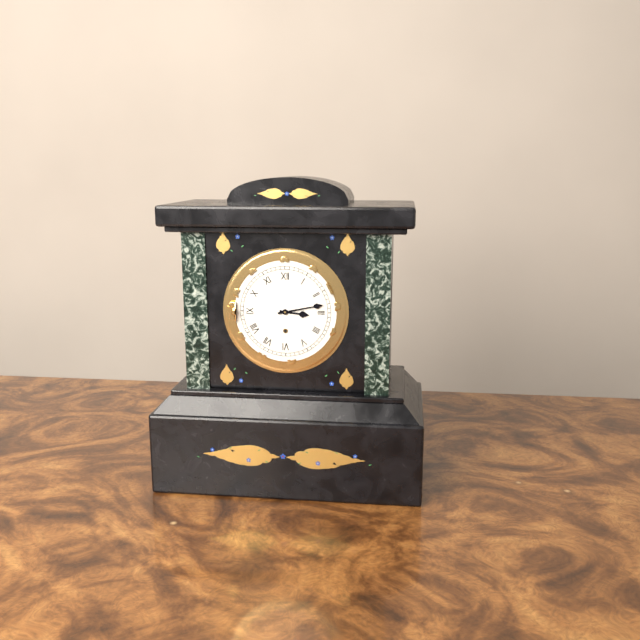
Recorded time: **3:13**
